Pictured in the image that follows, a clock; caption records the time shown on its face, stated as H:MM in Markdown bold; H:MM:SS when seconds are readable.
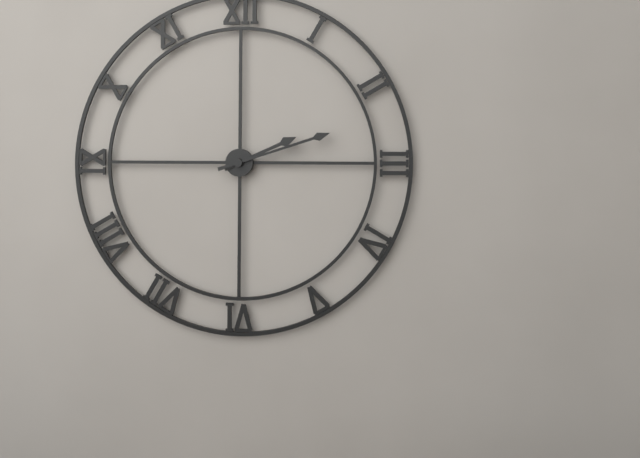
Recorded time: **2:12**
